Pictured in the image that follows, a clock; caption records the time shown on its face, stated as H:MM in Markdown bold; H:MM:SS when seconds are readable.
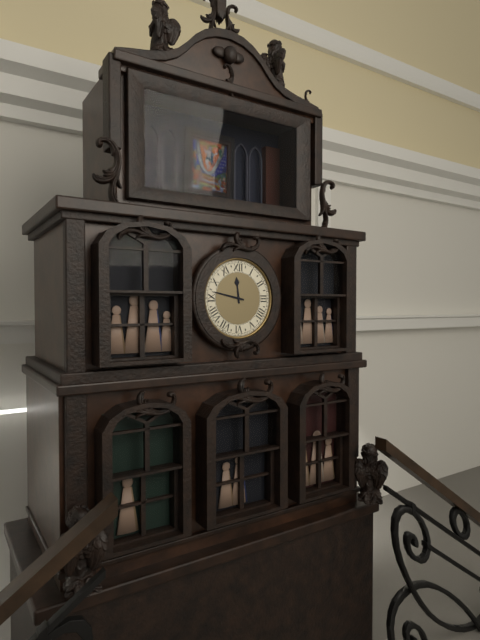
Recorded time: **11:47**
